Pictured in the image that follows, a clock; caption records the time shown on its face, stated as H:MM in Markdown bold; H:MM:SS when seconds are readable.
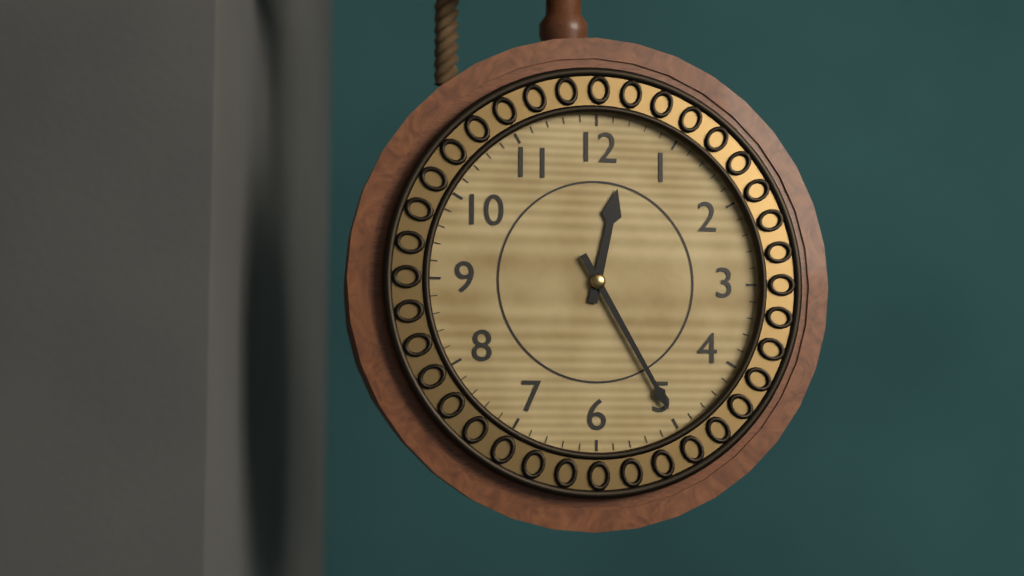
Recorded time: **12:25**
